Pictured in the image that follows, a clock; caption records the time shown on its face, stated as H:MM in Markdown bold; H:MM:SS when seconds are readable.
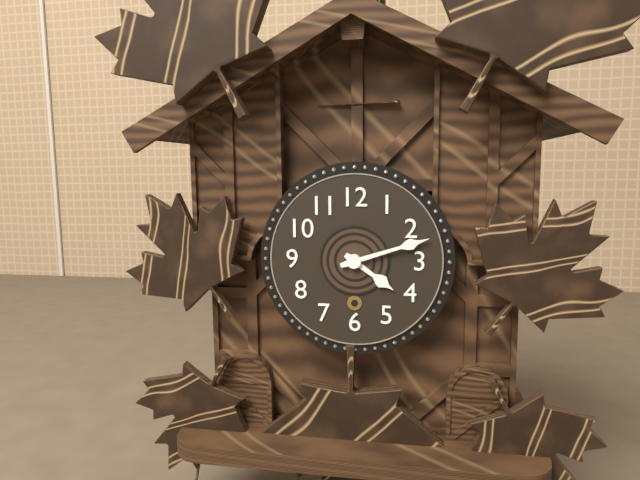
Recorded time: **4:12**
